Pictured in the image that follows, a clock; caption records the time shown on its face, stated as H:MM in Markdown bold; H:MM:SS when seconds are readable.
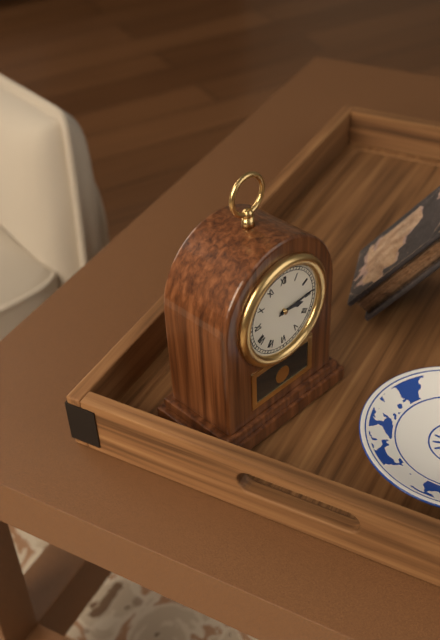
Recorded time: **3:14**
